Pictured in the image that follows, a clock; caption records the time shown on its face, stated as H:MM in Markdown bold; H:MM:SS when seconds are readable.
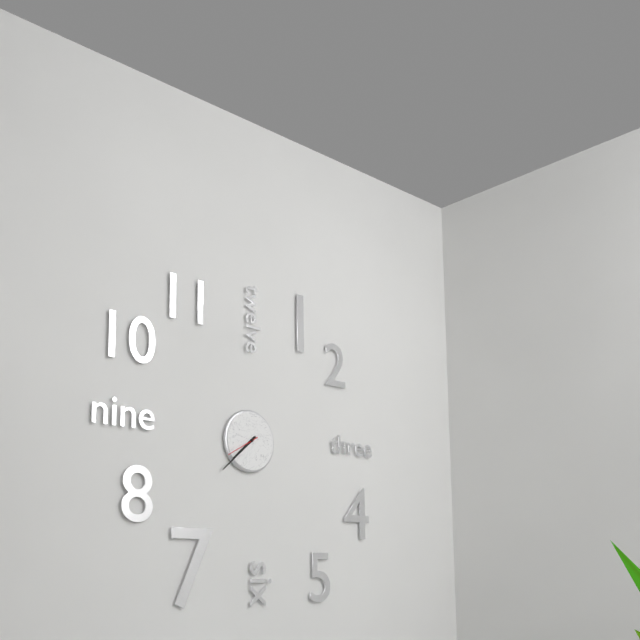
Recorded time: **7:38**
